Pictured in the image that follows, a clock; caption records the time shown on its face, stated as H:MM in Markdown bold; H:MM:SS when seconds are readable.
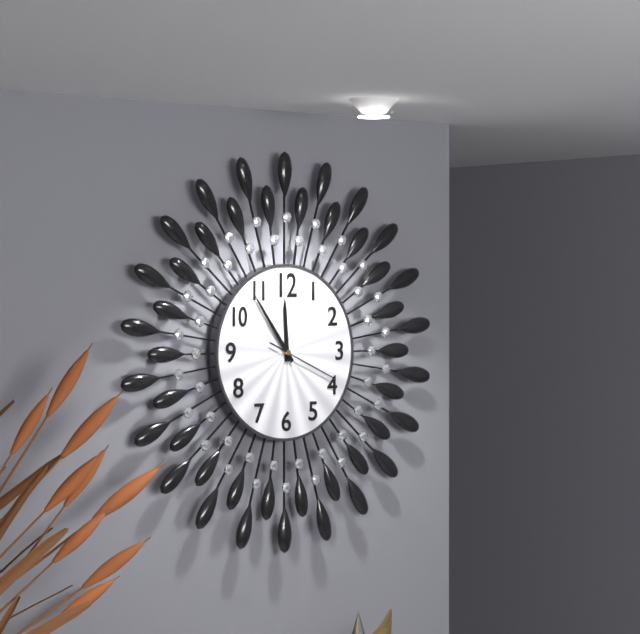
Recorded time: **11:54:19**
